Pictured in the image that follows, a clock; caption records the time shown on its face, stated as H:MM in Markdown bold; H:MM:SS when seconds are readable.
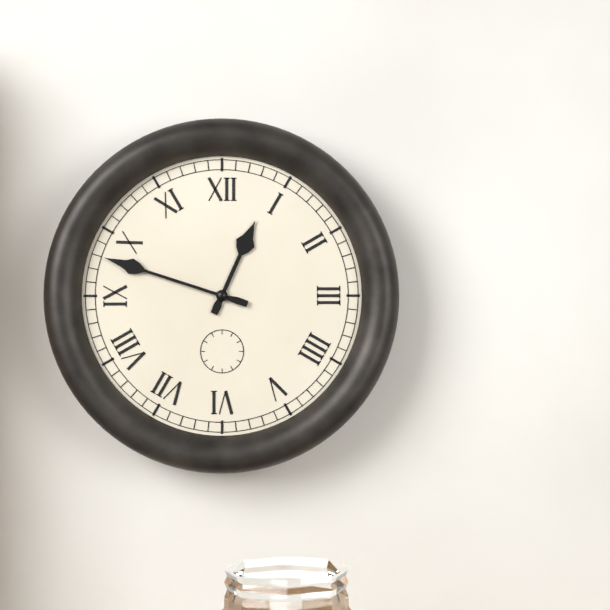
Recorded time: **12:48**
